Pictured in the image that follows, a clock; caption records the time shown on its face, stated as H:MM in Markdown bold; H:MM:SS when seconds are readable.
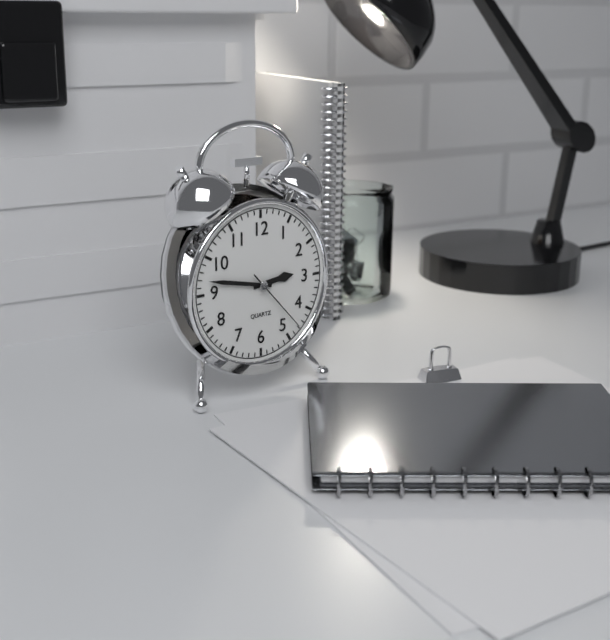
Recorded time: **2:47:23**
